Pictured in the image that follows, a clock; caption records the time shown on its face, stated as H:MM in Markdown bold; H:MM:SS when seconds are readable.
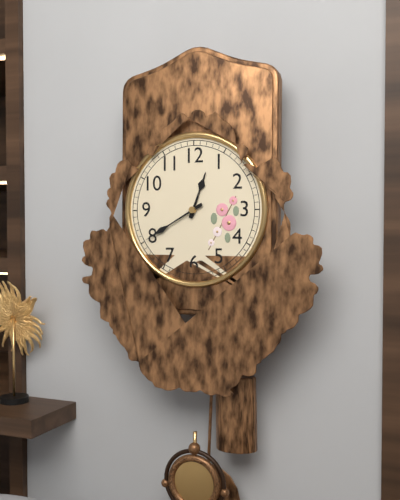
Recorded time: **12:40**
